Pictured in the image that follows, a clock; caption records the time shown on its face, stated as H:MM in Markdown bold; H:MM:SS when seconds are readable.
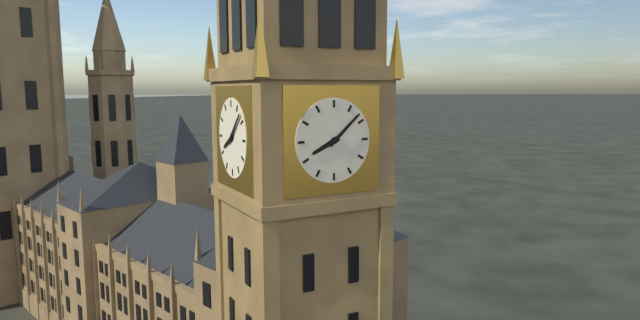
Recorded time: **8:08**
